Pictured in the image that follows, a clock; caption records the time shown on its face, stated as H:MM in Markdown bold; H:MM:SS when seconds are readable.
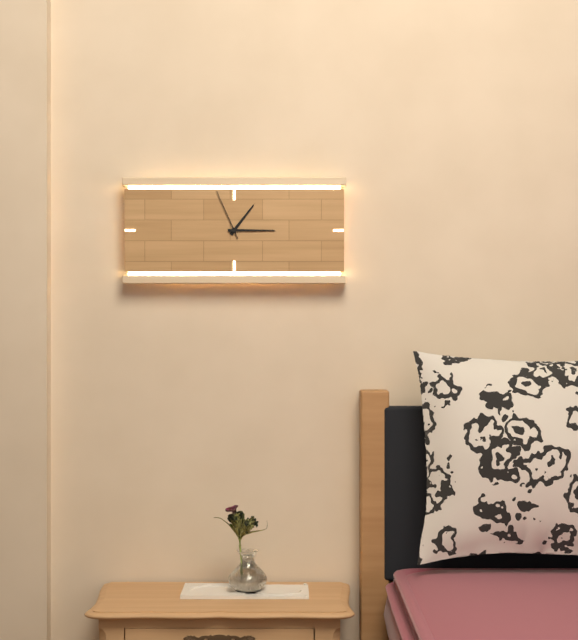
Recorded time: **1:15:56**
